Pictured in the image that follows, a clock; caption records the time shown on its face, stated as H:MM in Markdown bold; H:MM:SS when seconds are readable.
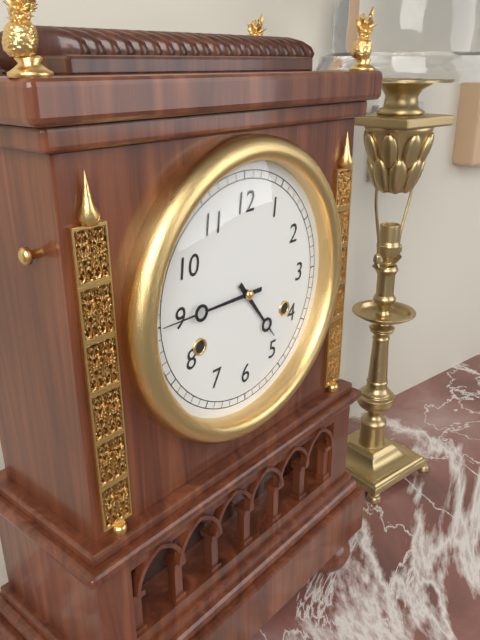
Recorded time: **4:45**
